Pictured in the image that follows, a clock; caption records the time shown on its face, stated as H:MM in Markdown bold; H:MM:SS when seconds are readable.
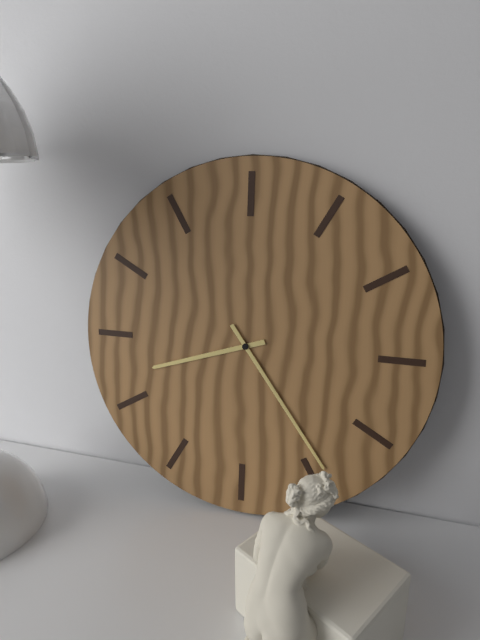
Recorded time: **8:24**
